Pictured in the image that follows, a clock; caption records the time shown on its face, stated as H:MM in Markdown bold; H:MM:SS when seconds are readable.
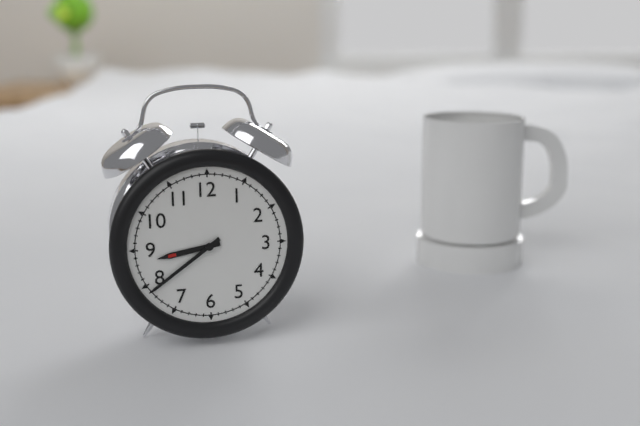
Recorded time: **8:39**
